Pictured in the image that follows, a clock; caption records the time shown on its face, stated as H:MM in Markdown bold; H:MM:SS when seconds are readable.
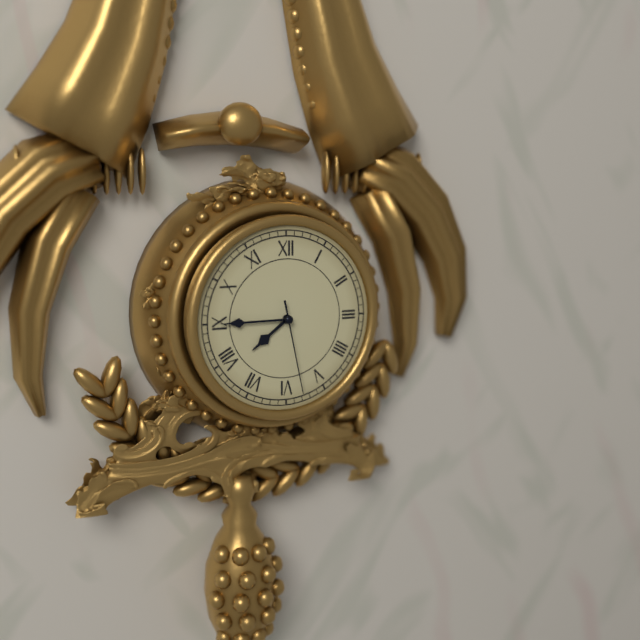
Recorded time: **7:45:28**
